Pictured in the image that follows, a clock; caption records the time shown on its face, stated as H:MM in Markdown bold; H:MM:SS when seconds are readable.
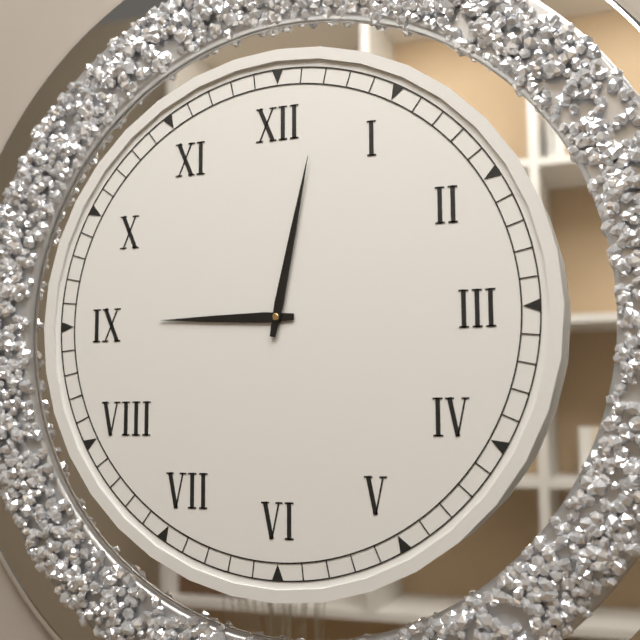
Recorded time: **9:02**
